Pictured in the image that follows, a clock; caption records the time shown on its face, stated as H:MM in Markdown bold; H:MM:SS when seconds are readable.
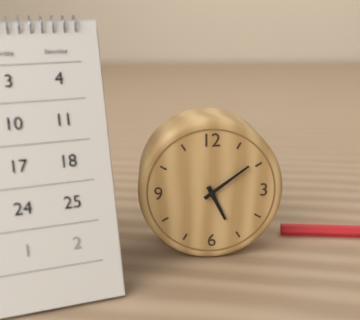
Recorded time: **5:09**
